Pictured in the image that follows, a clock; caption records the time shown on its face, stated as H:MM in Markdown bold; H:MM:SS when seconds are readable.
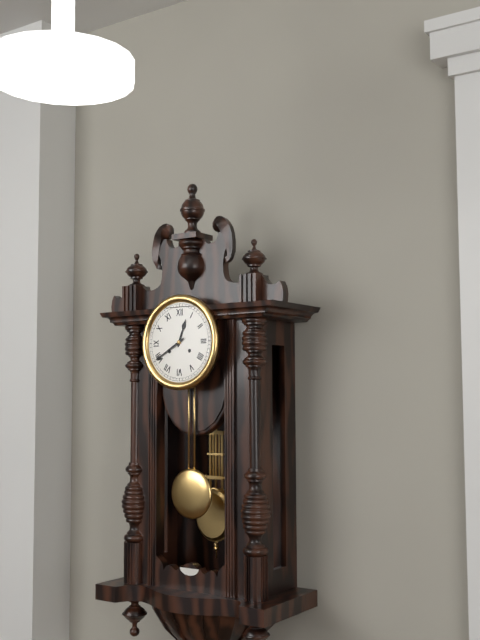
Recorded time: **12:40**
